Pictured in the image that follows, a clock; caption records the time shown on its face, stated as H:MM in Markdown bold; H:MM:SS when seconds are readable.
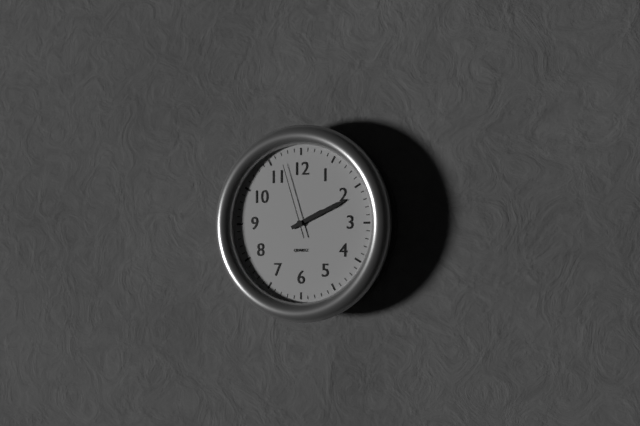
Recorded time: **2:11:57**
